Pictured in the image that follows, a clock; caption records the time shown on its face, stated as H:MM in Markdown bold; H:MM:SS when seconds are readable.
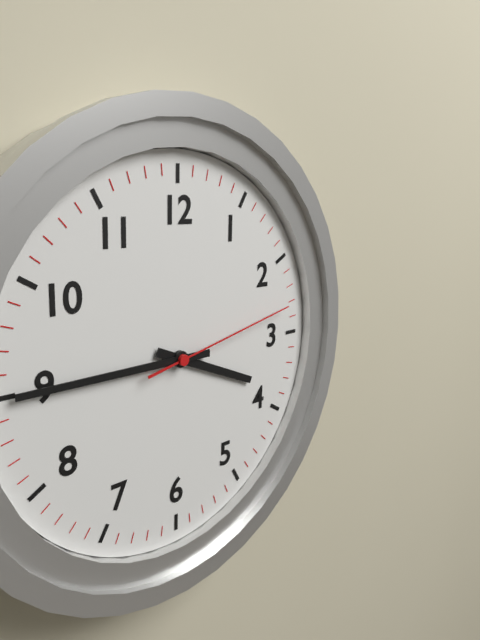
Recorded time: **3:45:13**
